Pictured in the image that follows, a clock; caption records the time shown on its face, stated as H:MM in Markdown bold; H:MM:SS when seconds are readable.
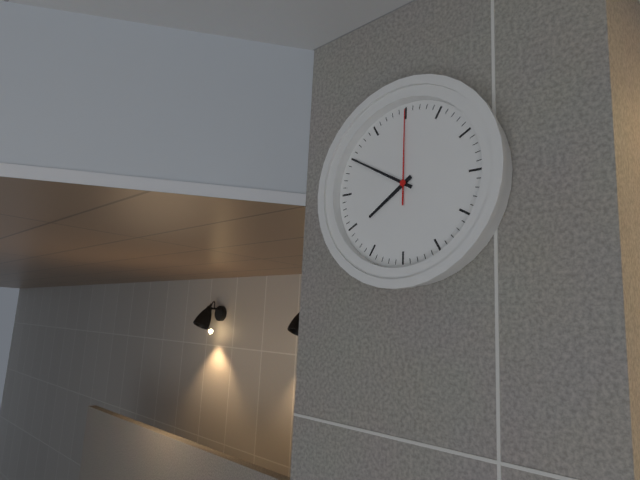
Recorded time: **7:50:00**
